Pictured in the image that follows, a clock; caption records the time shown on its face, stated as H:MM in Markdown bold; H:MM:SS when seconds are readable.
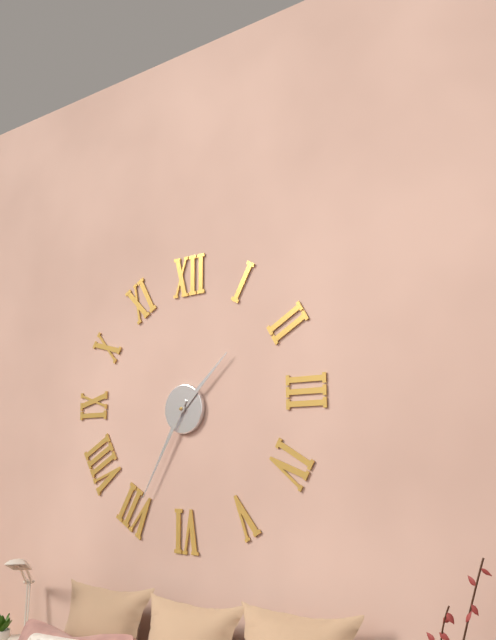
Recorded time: **1:35**
